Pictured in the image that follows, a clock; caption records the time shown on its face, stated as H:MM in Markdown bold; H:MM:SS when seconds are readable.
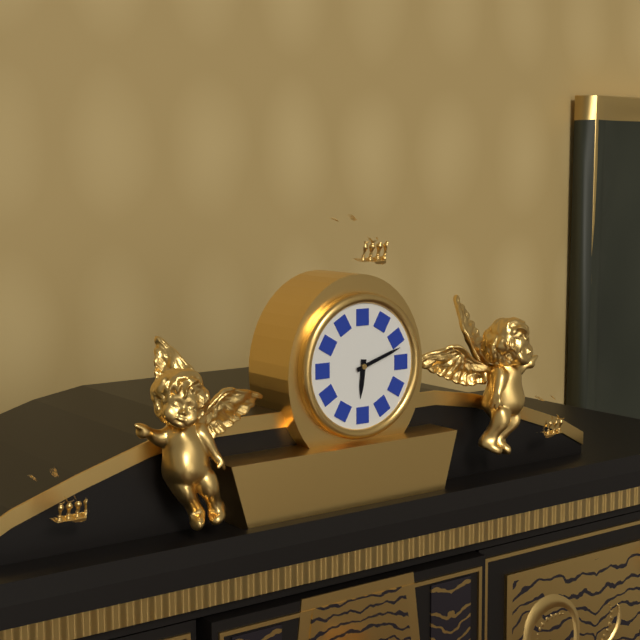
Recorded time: **6:12**
